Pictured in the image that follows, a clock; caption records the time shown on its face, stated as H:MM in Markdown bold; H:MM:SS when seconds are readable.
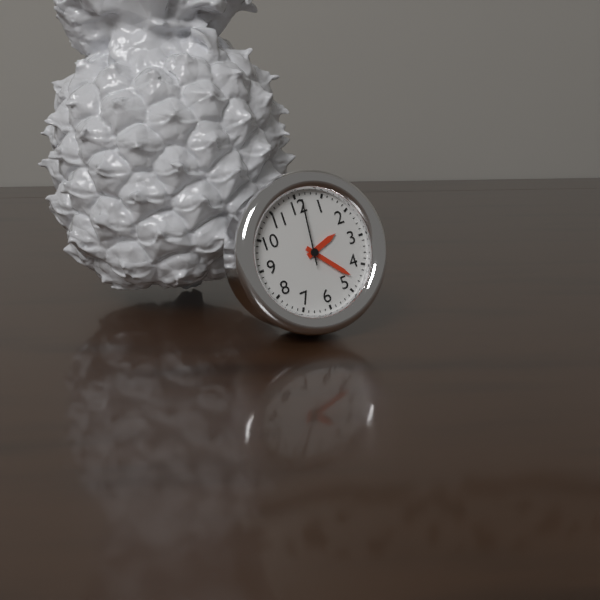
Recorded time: **2:23:01**
